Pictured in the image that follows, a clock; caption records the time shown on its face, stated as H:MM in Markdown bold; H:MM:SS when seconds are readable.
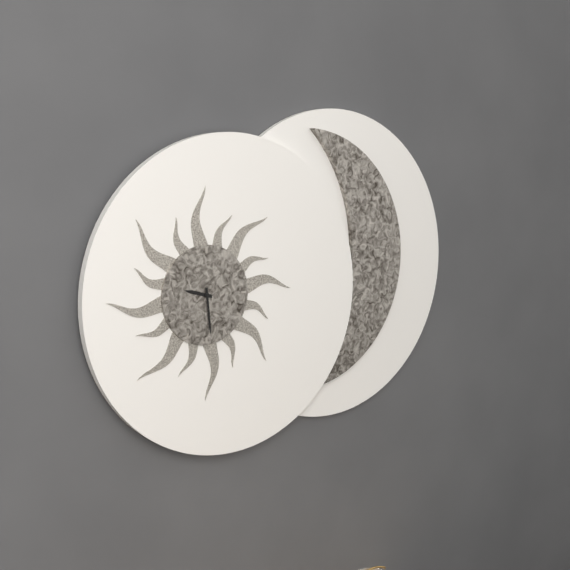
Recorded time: **9:29**
